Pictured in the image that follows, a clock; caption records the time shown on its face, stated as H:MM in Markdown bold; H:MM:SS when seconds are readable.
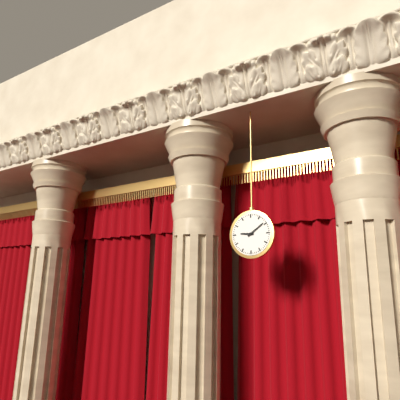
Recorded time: **9:09**
